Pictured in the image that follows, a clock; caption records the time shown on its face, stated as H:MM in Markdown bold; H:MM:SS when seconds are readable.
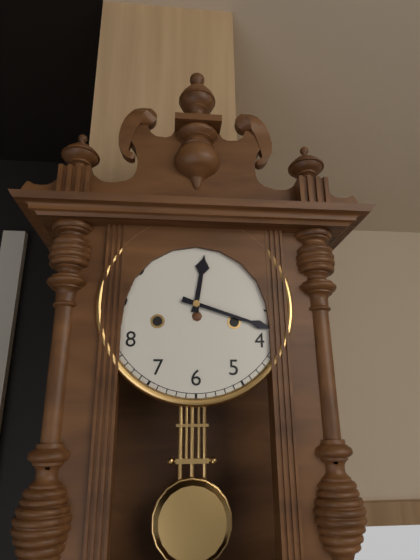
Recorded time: **12:18**
